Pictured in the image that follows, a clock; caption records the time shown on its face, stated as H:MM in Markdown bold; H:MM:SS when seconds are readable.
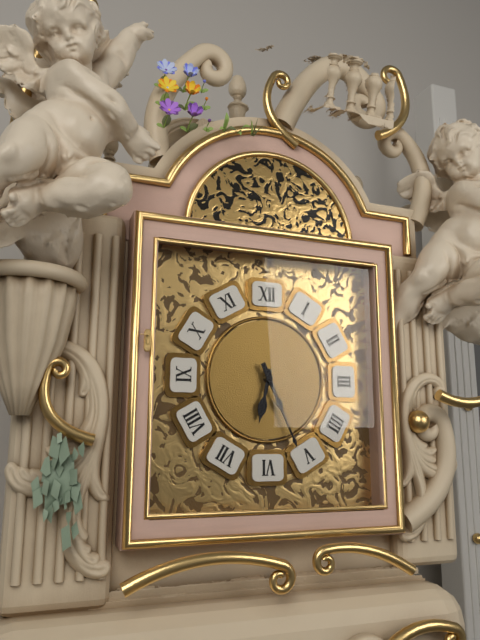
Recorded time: **6:26**
